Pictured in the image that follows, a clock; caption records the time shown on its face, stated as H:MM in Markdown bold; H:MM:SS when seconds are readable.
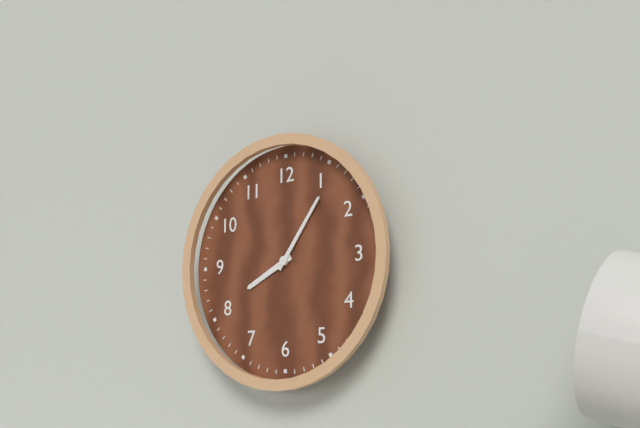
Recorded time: **8:06**
